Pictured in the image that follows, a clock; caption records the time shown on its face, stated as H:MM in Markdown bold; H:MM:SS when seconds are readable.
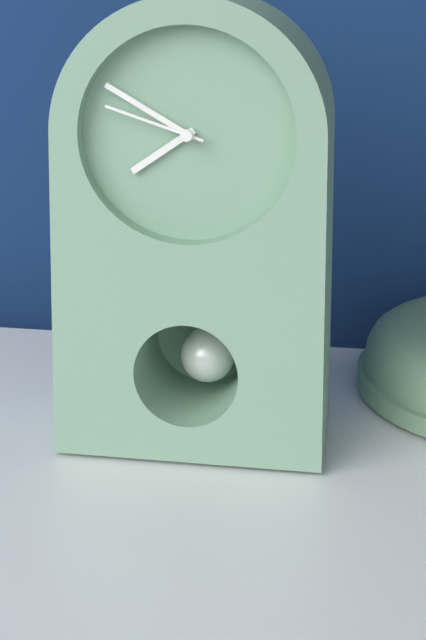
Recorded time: **7:50:48**
